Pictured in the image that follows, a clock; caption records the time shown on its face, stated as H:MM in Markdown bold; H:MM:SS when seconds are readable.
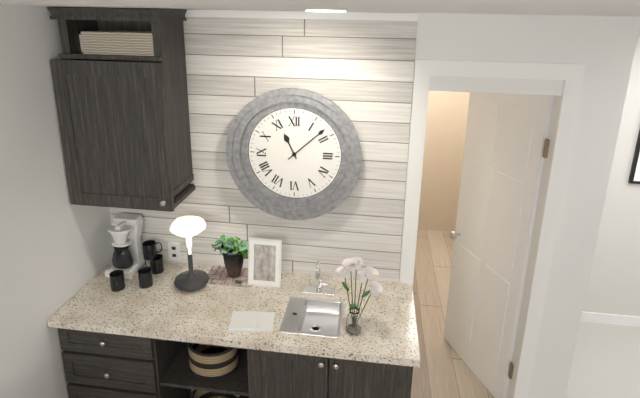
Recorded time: **11:08**
